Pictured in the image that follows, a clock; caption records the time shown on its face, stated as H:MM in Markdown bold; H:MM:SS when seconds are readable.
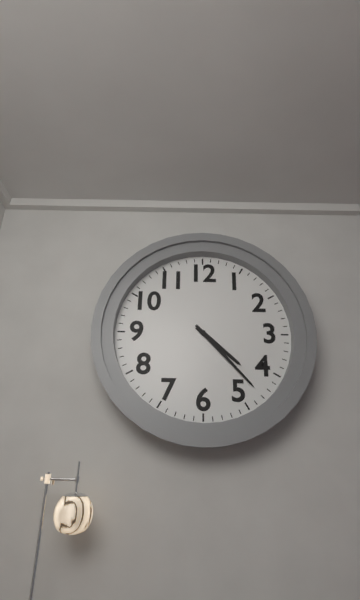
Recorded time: **4:23**
